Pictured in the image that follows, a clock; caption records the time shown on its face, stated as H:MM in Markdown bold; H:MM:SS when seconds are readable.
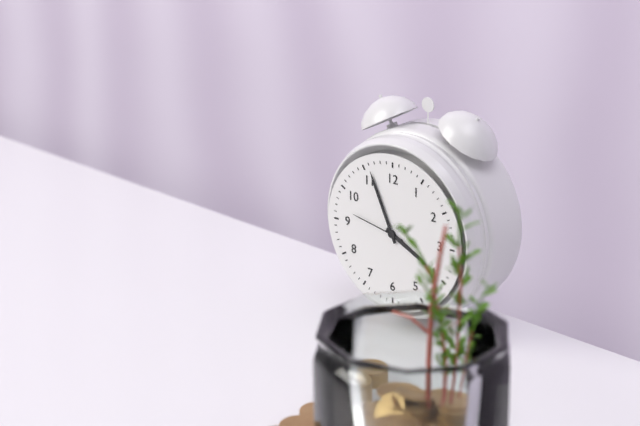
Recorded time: **3:56:47**
